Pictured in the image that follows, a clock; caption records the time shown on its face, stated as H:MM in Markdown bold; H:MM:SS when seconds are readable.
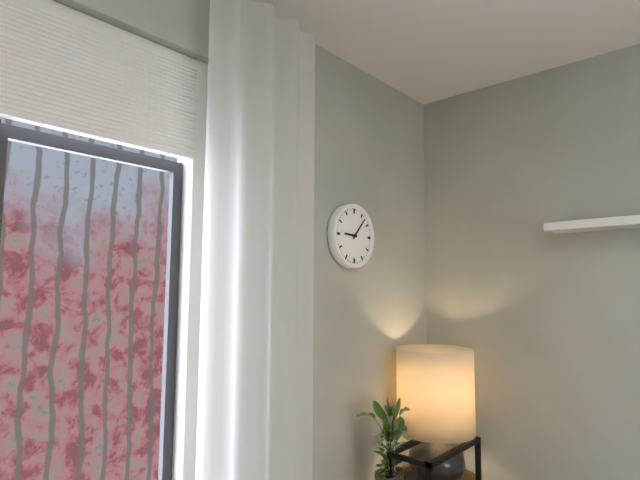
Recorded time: **9:07**
